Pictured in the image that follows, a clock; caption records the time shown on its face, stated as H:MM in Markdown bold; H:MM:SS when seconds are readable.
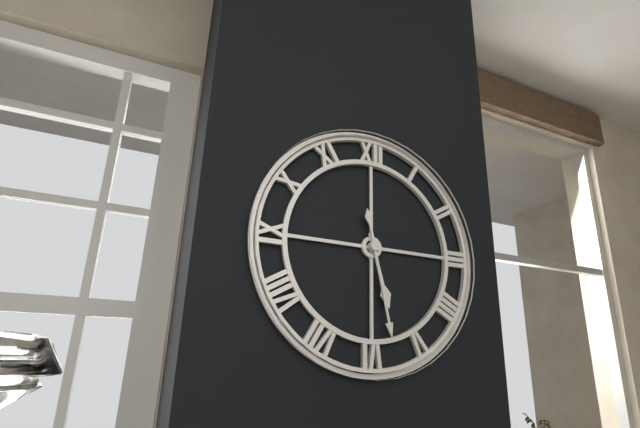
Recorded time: **5:28**
